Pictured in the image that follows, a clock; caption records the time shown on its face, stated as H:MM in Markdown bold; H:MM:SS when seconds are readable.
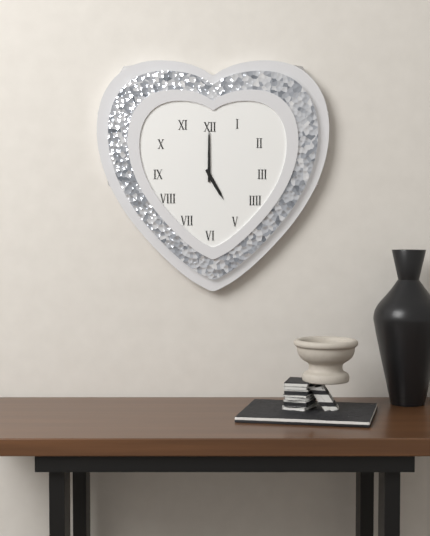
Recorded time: **5:00**
